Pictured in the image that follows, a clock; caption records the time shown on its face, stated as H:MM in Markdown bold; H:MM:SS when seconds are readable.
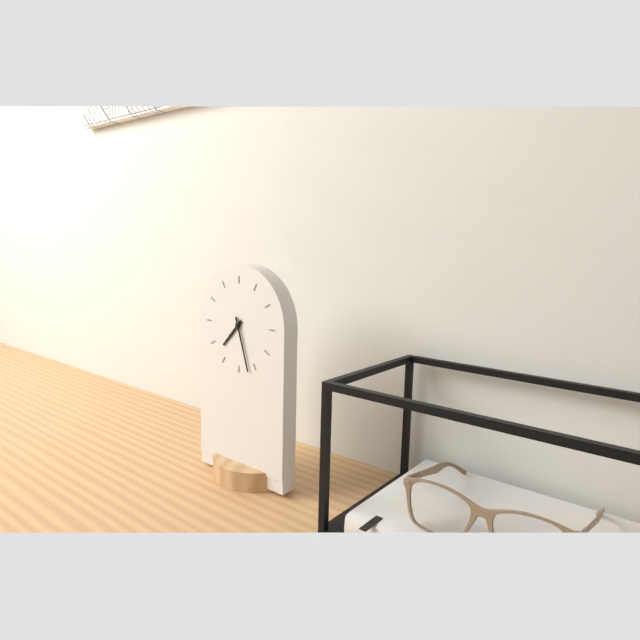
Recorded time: **7:27**
